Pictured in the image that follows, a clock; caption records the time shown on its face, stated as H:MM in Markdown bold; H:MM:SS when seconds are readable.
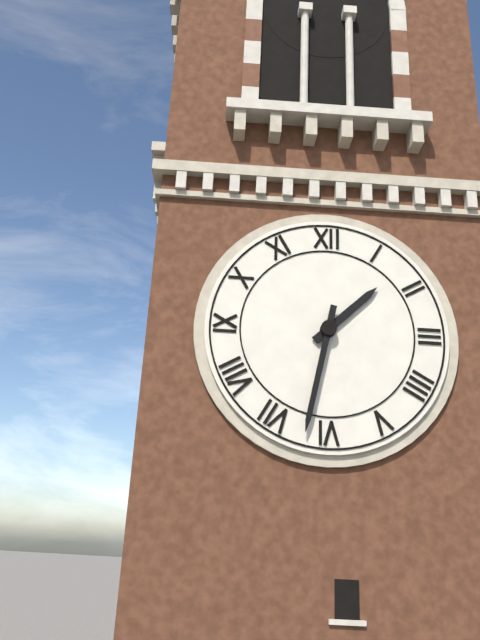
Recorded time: **1:32**
